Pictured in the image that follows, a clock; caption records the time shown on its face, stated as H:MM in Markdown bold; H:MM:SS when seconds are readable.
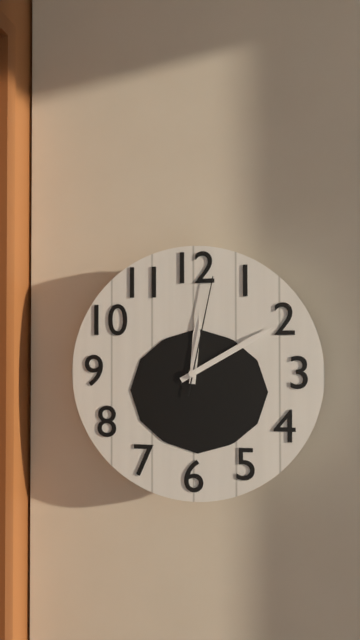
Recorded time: **12:10:02**
